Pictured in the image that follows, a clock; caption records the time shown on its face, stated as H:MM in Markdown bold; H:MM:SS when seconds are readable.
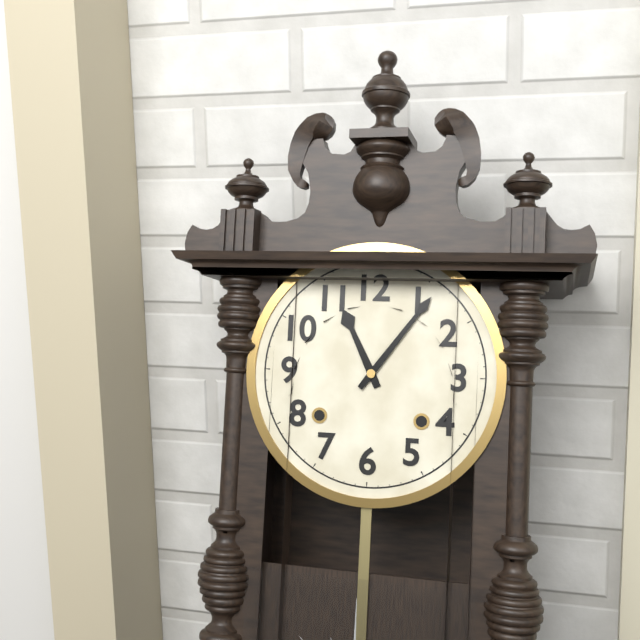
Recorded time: **11:06**
